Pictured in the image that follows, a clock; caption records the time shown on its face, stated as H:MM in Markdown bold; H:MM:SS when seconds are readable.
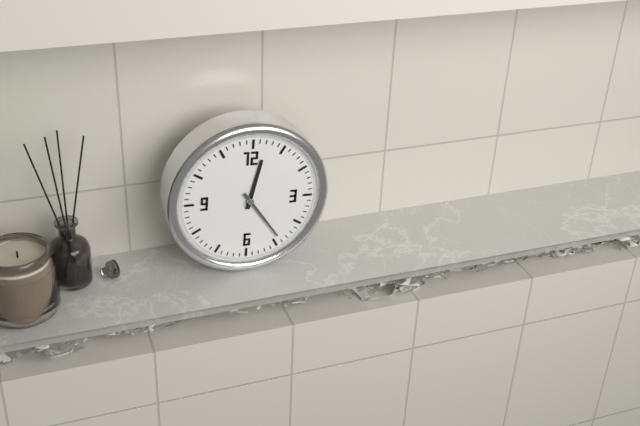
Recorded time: **12:24**
